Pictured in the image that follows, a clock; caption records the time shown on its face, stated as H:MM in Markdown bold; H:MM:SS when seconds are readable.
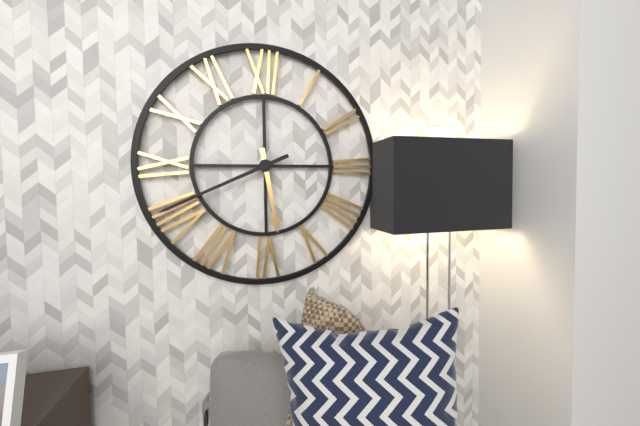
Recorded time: **5:41**
